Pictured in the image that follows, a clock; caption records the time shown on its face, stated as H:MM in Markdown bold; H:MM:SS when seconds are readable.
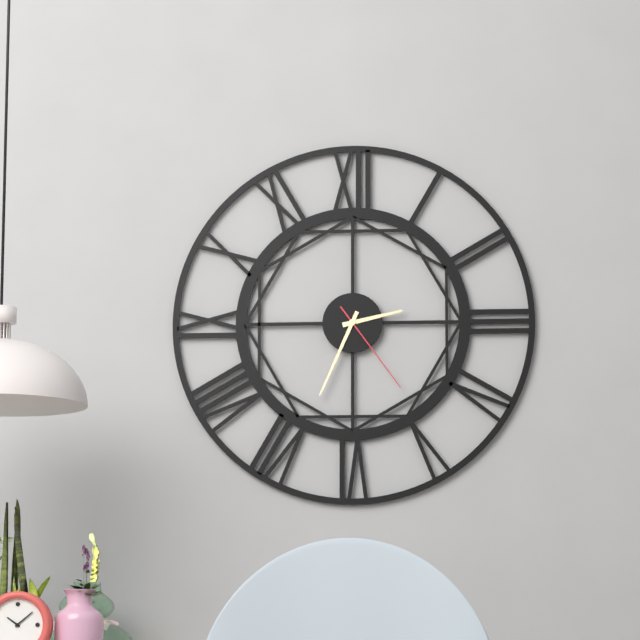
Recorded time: **2:34:24**
